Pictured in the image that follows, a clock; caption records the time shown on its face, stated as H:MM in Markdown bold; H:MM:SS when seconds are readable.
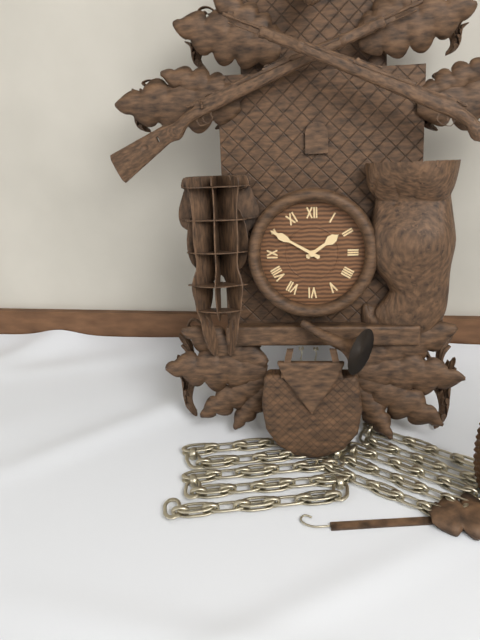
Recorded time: **1:50**
